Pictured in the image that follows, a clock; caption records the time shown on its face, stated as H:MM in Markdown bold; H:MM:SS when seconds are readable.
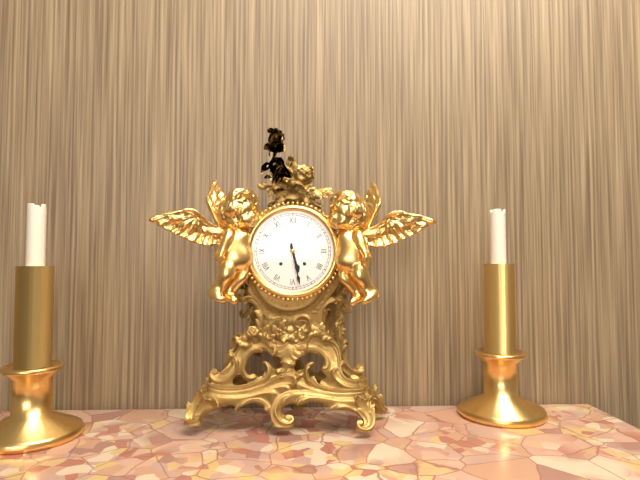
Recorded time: **5:28**
